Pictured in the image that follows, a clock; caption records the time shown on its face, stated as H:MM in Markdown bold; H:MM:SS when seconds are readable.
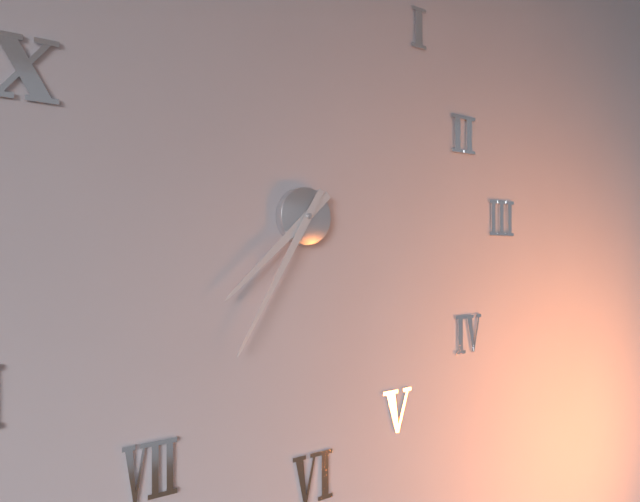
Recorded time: **7:35**
